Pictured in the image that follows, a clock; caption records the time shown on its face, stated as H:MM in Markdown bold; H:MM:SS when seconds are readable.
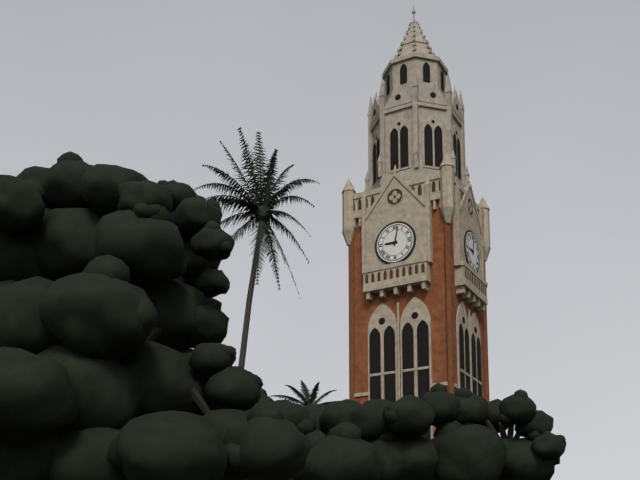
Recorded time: **9:02**
